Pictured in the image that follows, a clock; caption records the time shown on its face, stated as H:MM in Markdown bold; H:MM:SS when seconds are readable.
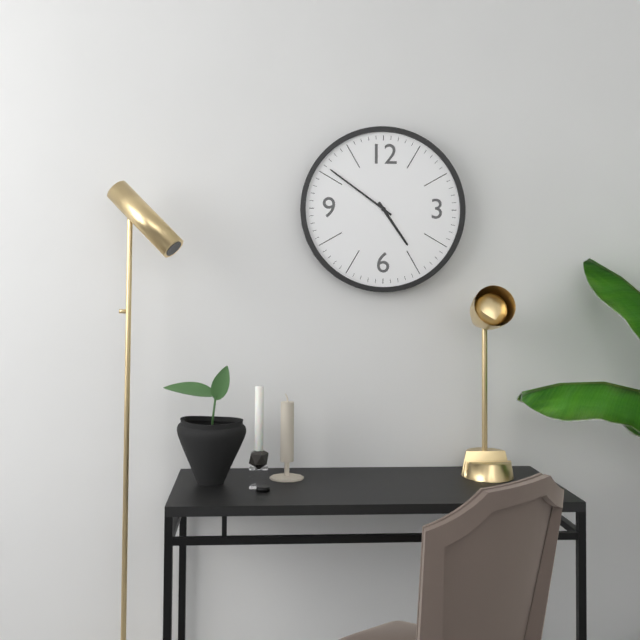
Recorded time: **4:51**
